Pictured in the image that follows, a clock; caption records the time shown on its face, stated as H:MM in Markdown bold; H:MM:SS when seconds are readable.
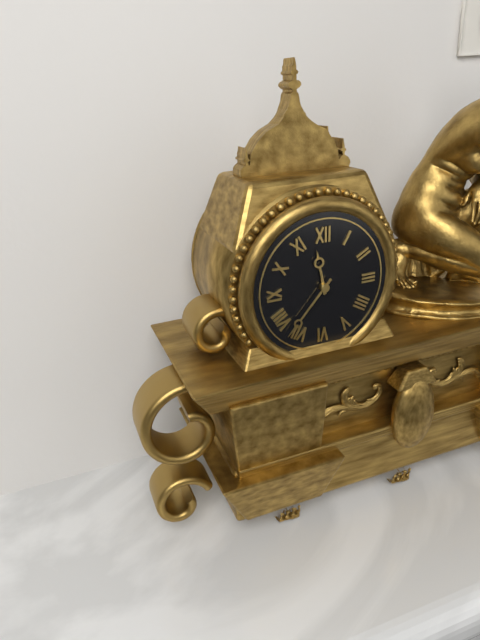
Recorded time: **11:37**
